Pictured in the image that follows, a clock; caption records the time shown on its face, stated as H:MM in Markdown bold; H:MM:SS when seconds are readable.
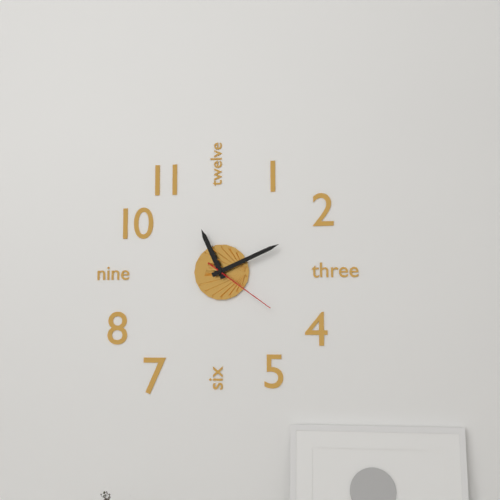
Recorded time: **11:11:21**
